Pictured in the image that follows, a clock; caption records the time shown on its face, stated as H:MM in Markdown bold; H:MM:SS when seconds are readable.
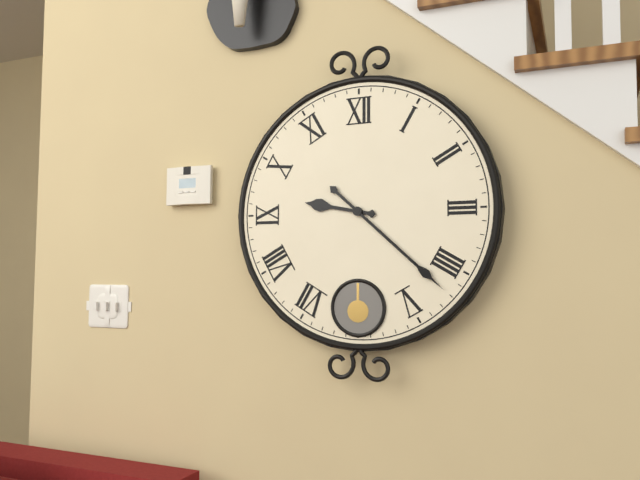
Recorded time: **9:22**
